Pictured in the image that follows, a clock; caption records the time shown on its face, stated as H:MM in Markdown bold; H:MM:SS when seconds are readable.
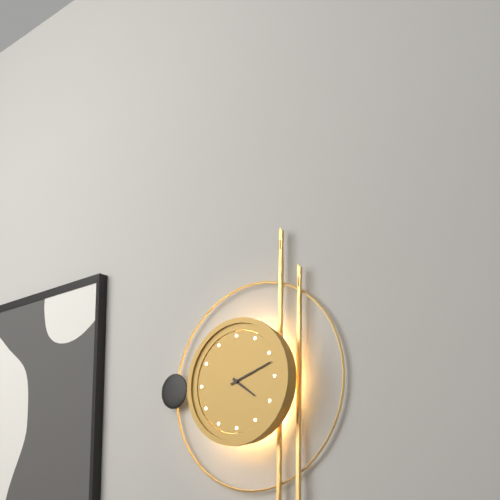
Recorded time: **4:12**
